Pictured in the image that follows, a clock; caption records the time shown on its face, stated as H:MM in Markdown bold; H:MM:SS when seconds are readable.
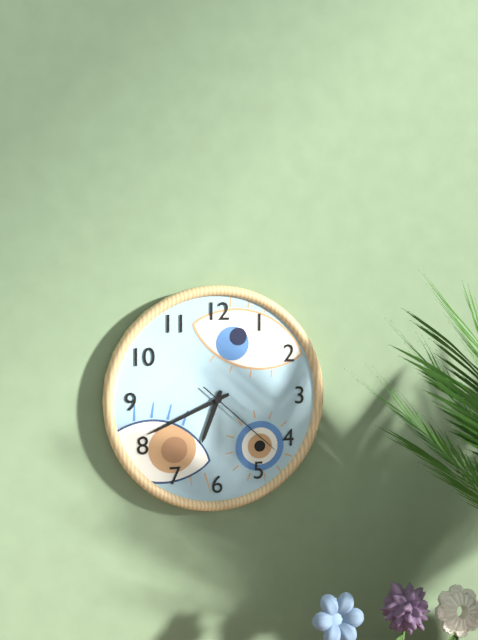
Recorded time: **6:41:22**
